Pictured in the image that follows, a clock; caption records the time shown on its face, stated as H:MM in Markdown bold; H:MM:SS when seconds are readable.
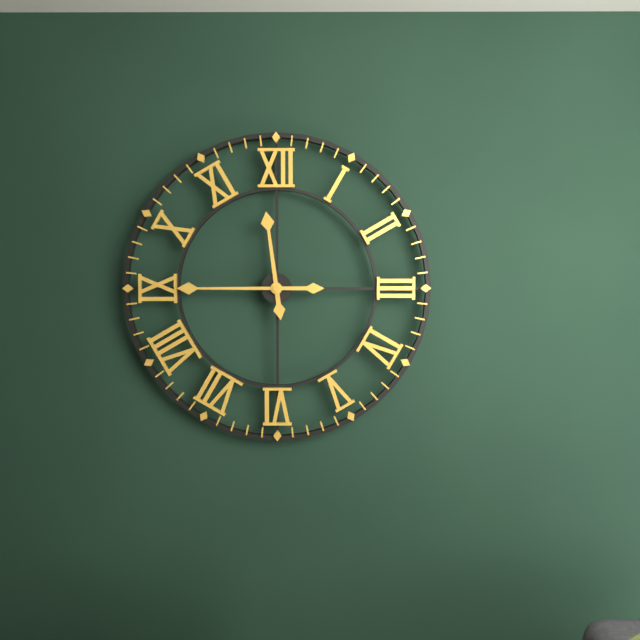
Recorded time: **11:45**
